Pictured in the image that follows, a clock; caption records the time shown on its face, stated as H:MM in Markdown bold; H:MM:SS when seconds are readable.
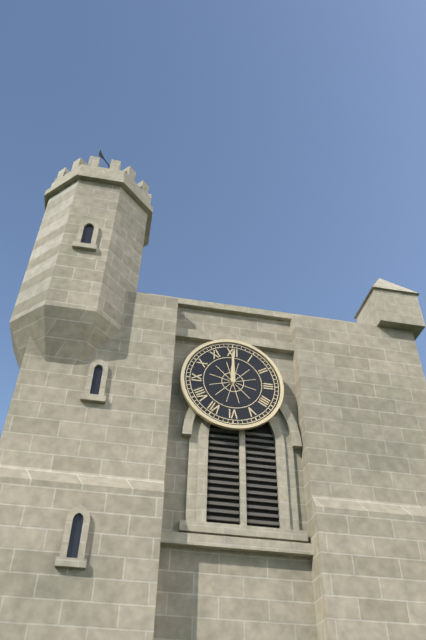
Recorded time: **12:00**
